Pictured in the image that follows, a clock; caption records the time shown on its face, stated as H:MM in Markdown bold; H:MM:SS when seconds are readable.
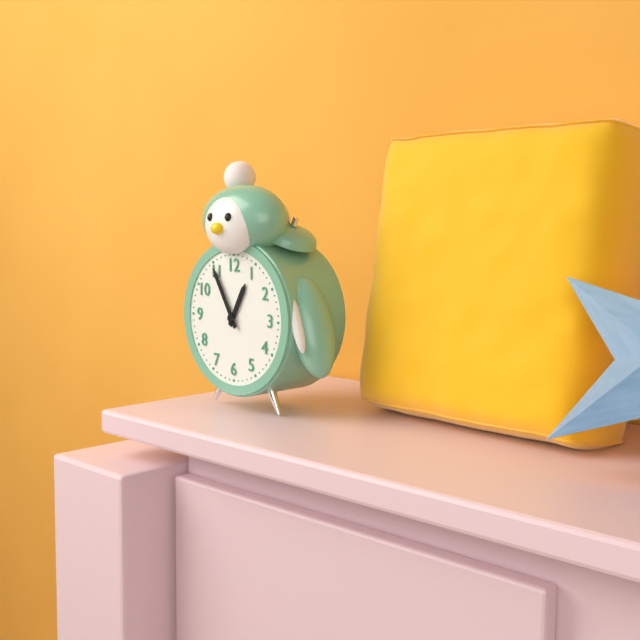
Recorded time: **12:55**
